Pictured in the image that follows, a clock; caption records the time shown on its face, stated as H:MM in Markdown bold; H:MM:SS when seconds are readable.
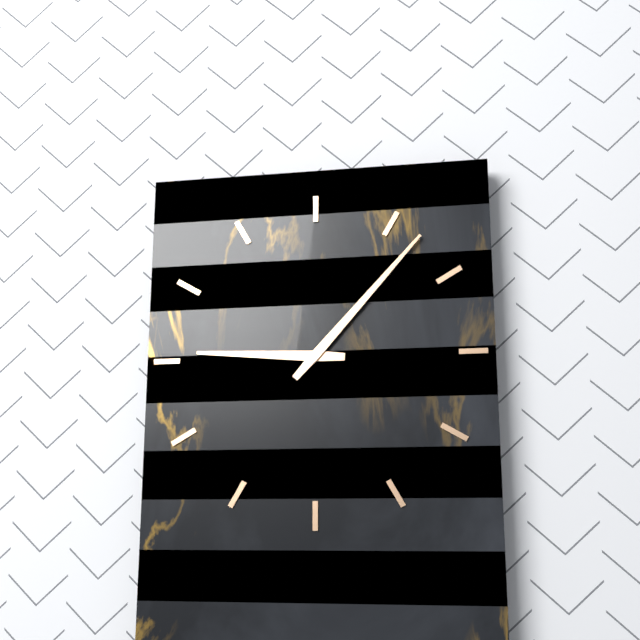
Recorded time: **9:07**
